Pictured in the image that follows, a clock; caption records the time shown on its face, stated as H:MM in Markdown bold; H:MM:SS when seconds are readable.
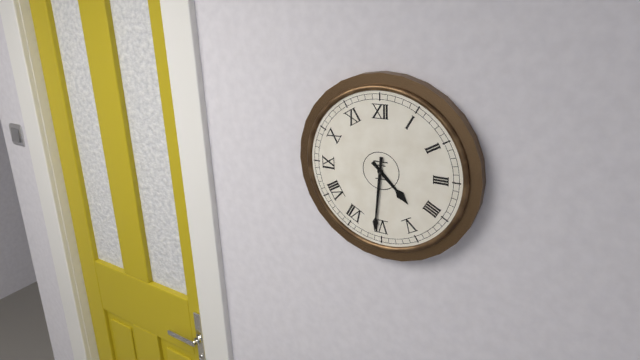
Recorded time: **4:31**
